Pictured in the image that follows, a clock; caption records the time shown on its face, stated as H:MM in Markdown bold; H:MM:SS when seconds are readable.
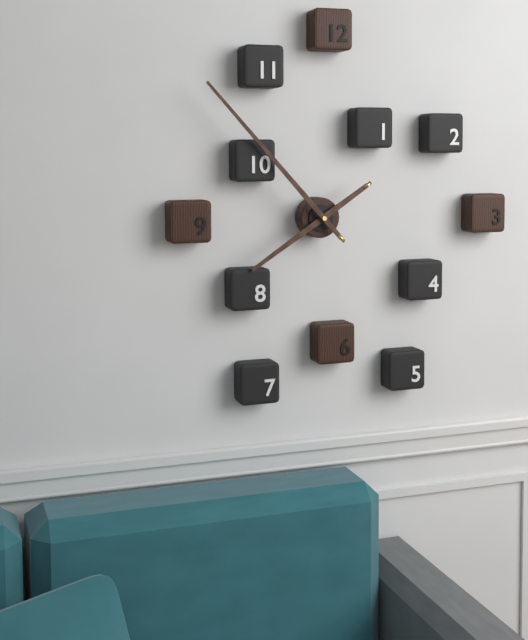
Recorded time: **7:53**
